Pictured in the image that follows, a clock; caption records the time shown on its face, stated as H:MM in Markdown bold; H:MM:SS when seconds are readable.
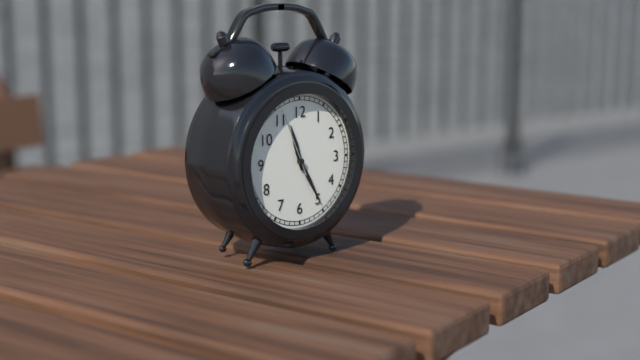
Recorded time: **11:25:56**
